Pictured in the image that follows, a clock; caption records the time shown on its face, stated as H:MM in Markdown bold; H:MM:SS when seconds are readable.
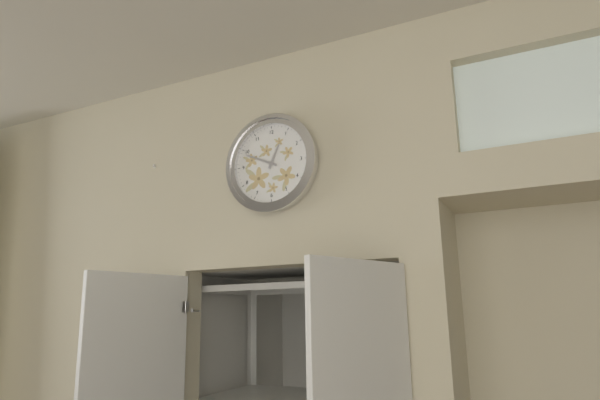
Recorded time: **12:49**
